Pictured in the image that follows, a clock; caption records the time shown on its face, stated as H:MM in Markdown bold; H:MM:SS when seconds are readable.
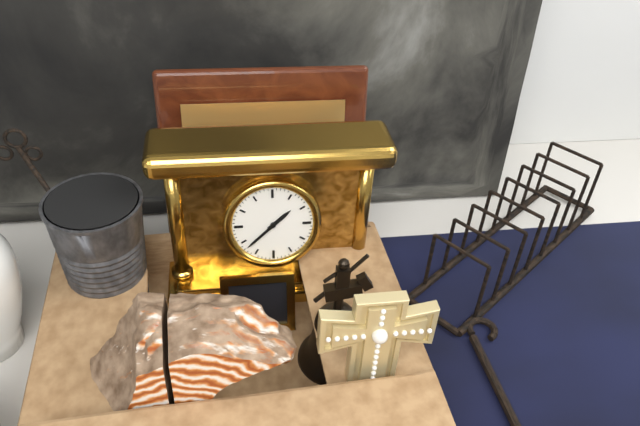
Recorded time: **1:38**
